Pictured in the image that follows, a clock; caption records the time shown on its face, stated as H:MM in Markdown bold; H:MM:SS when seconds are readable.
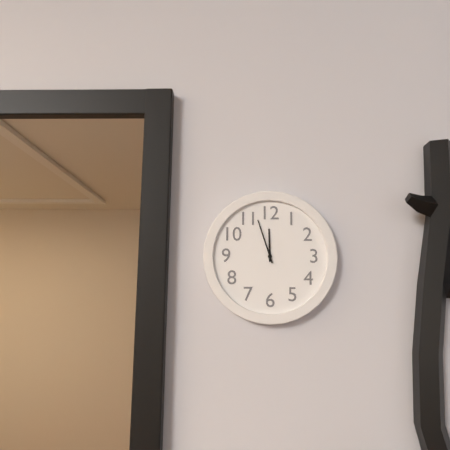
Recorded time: **11:57**
